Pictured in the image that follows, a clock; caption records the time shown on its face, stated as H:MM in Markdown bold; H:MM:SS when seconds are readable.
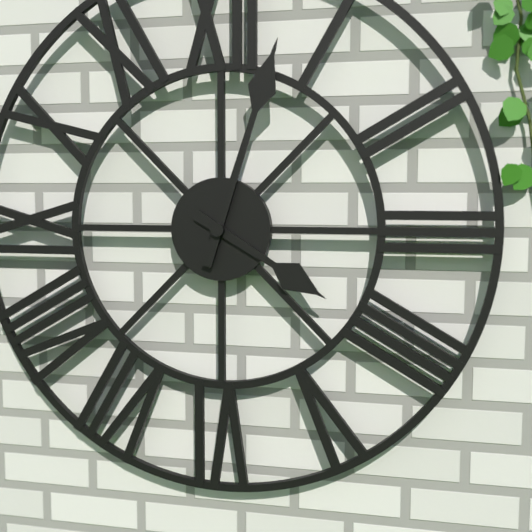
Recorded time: **4:03**
